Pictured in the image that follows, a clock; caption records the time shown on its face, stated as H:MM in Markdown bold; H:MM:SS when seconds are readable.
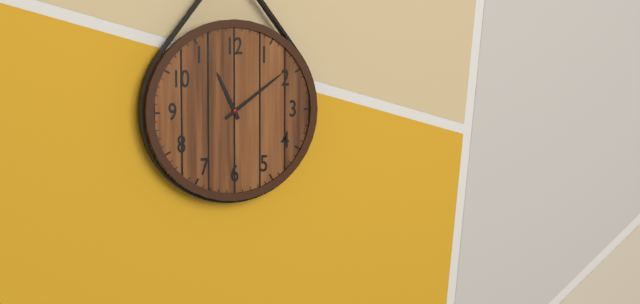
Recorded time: **11:09**
